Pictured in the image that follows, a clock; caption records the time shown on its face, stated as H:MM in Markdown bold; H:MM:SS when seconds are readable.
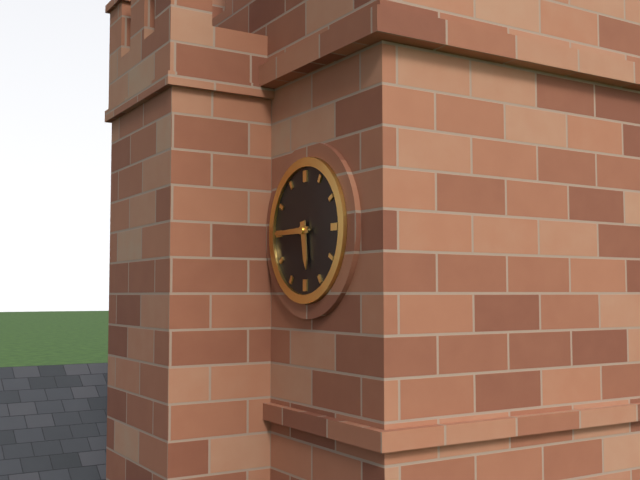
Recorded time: **5:45**
